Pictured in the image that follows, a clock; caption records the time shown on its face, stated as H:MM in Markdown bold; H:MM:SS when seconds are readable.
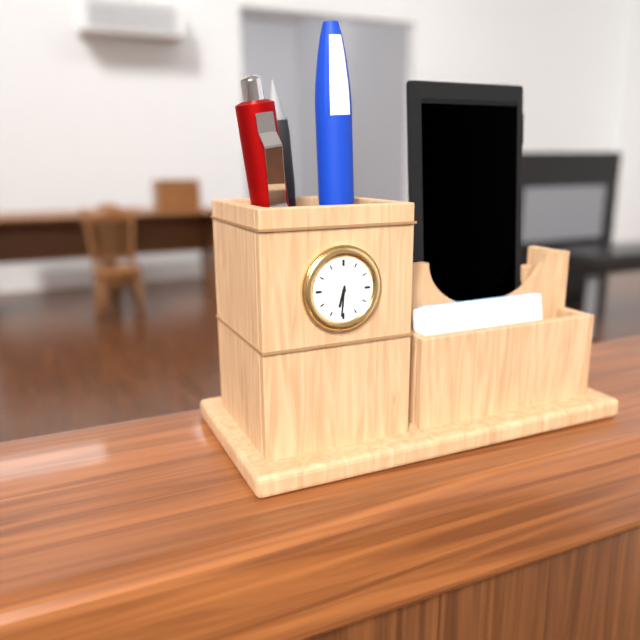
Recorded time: **6:31**
